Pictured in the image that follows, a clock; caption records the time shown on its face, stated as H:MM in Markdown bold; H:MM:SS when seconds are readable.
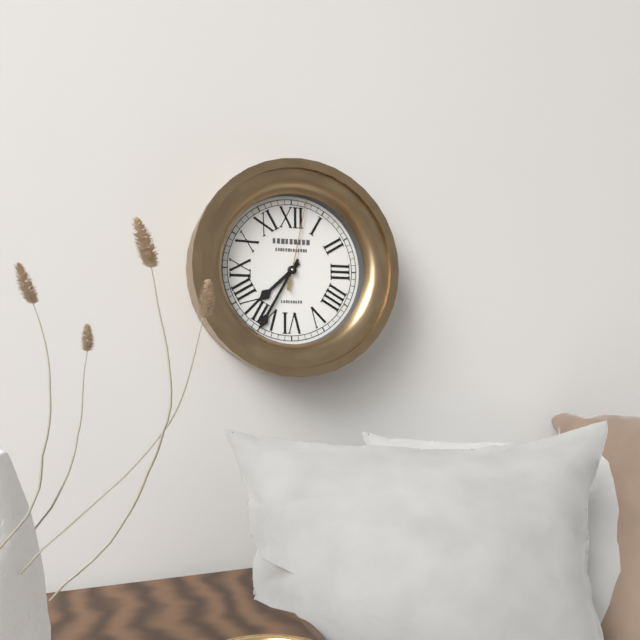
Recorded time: **7:35:02**
